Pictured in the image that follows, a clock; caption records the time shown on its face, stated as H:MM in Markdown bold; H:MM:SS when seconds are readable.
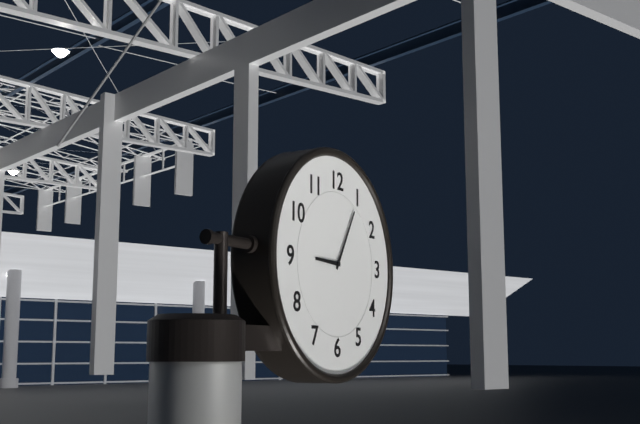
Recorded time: **9:05**
